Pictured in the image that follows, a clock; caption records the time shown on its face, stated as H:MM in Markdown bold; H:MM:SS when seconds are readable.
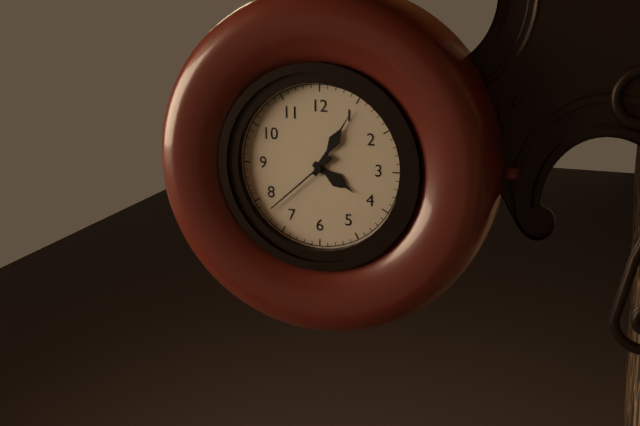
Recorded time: **4:05:38**
